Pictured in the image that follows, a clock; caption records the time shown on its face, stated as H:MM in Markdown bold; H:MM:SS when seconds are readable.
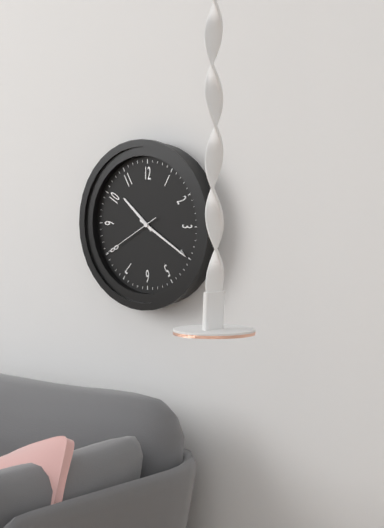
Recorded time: **10:20:40**
